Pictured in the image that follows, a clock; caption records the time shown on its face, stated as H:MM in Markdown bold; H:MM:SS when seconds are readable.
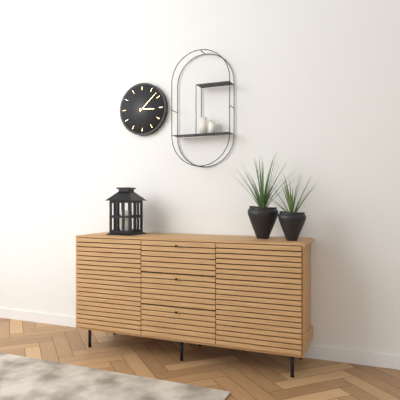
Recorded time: **3:08**
